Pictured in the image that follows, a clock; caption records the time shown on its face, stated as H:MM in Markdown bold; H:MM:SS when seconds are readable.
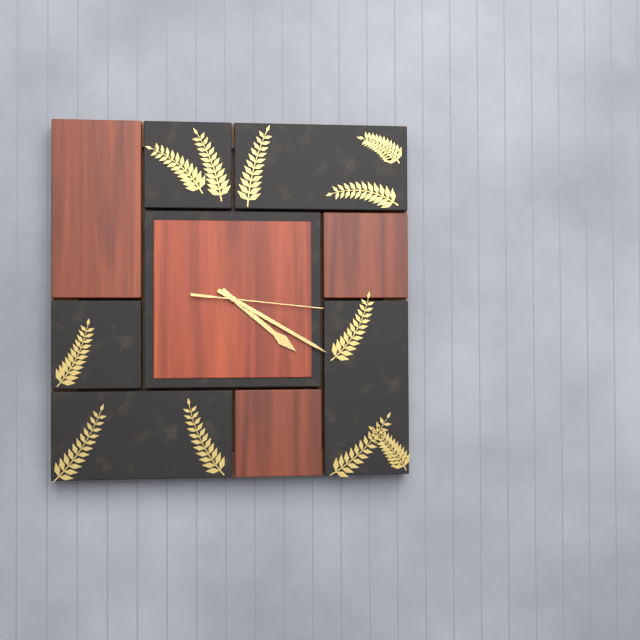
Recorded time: **4:20:16**
